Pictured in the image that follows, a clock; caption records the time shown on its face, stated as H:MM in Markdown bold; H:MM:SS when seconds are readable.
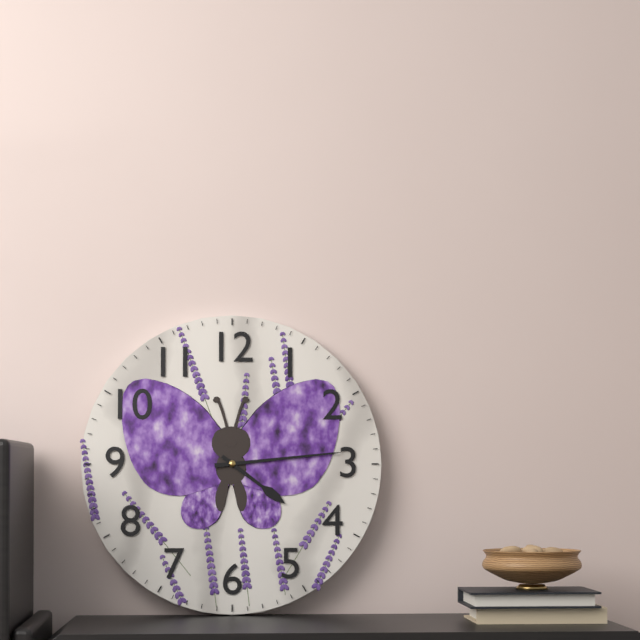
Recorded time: **4:14**
